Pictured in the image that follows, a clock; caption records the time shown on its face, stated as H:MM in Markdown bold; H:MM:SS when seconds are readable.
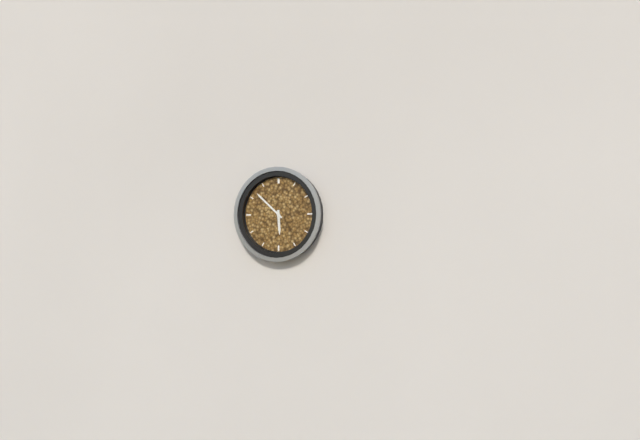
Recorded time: **5:52**
